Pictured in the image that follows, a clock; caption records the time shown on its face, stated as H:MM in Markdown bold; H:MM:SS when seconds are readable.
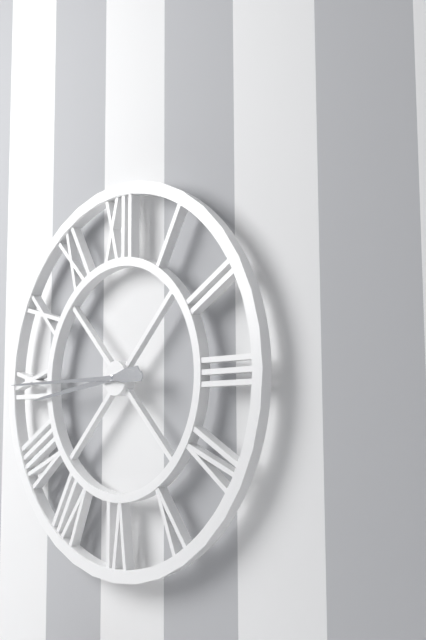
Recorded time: **8:45**
